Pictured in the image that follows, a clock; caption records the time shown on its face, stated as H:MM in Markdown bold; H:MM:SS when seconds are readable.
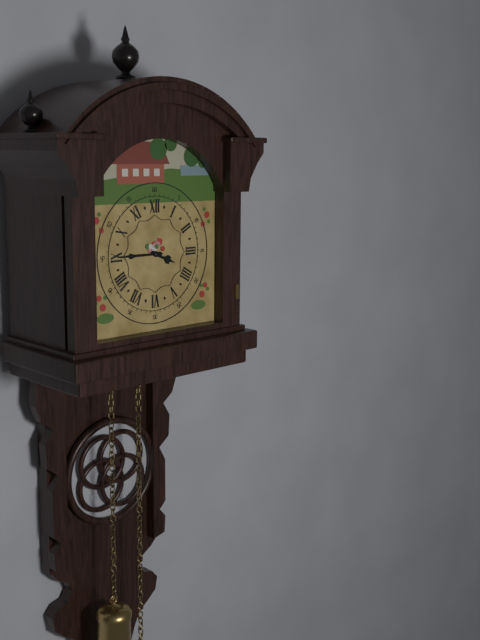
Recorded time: **3:45**
